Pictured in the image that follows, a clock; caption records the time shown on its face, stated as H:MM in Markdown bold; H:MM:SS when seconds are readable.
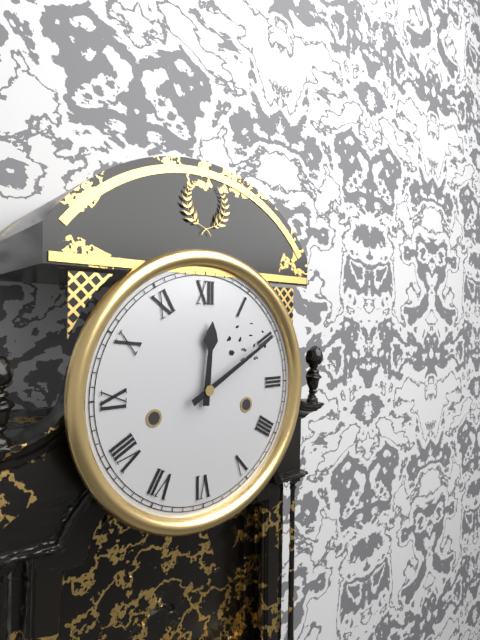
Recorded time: **12:10**
